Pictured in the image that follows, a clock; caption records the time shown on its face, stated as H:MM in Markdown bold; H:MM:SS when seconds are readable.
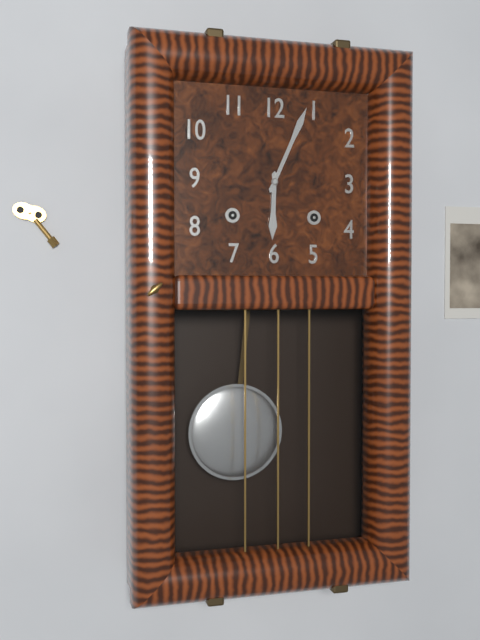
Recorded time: **6:04**
